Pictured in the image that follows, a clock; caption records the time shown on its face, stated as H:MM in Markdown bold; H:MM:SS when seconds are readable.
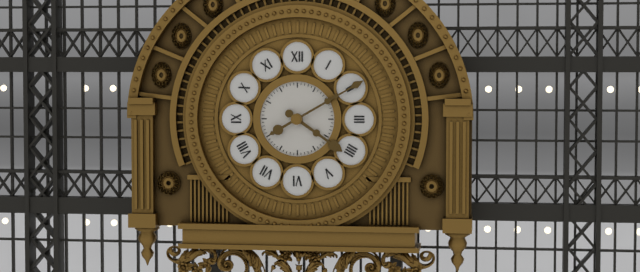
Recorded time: **4:10**
